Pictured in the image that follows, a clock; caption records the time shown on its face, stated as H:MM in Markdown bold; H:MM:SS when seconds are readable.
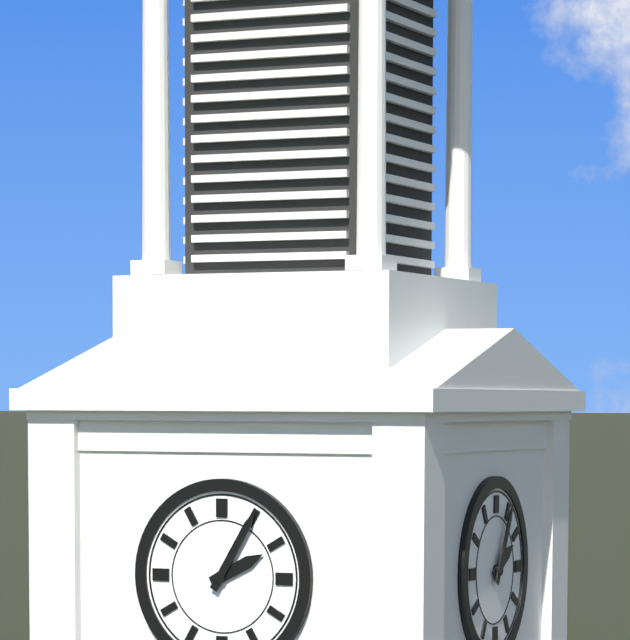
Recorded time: **2:05**
